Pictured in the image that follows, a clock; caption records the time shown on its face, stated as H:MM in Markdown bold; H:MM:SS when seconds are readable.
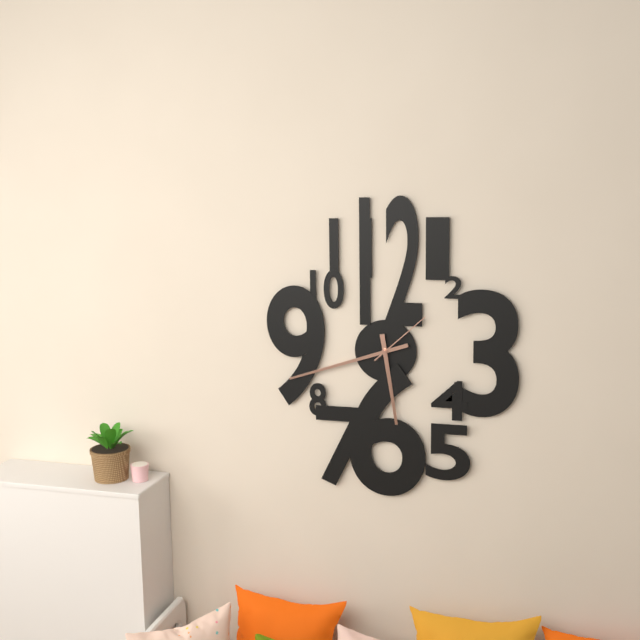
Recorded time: **5:42:08**
